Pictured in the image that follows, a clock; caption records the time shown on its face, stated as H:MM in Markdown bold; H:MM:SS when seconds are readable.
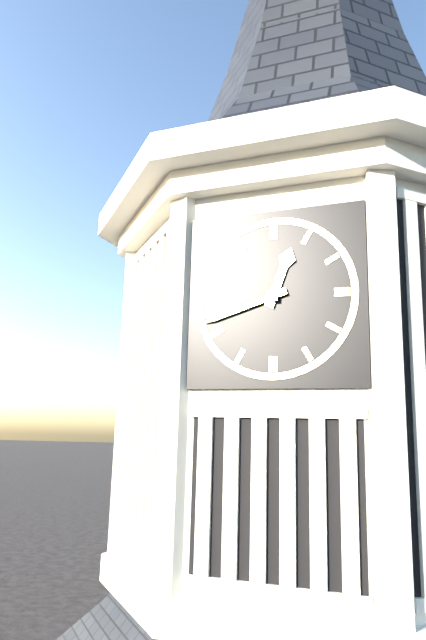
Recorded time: **12:42**
